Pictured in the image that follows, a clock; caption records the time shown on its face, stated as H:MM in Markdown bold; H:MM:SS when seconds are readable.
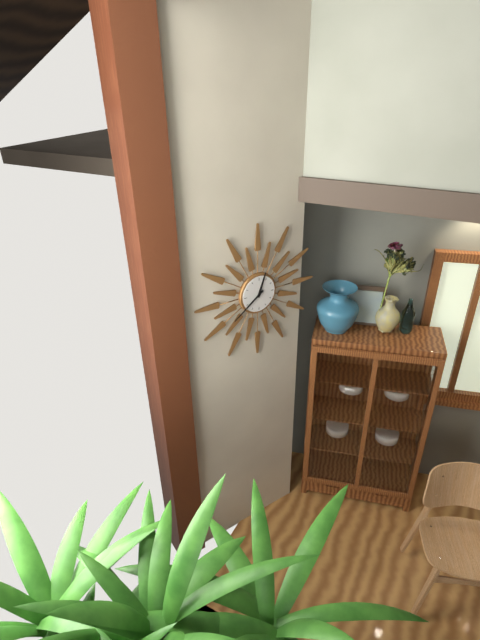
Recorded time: **12:39**
